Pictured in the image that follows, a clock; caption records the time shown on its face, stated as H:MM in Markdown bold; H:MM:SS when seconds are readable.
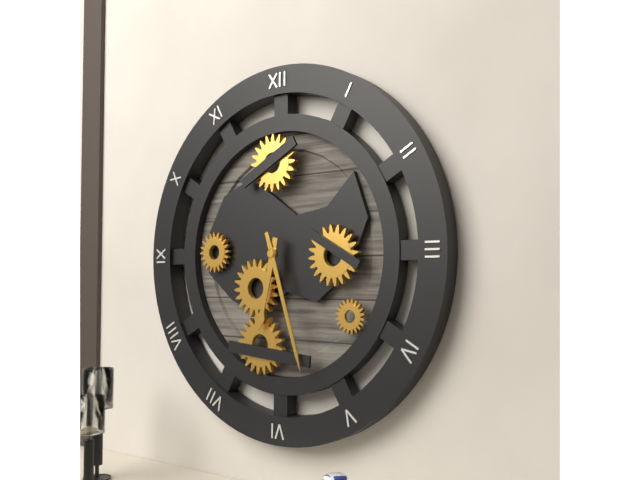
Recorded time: **6:27**
